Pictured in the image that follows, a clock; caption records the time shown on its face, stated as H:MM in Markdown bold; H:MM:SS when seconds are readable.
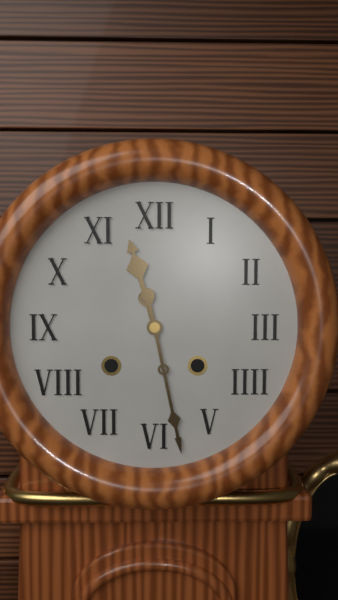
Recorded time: **11:28**
